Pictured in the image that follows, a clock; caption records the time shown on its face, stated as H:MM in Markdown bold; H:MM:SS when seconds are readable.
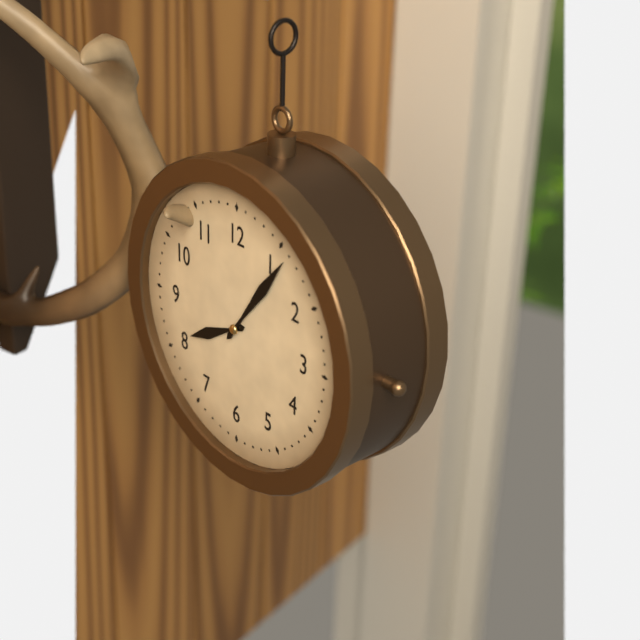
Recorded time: **8:06**
